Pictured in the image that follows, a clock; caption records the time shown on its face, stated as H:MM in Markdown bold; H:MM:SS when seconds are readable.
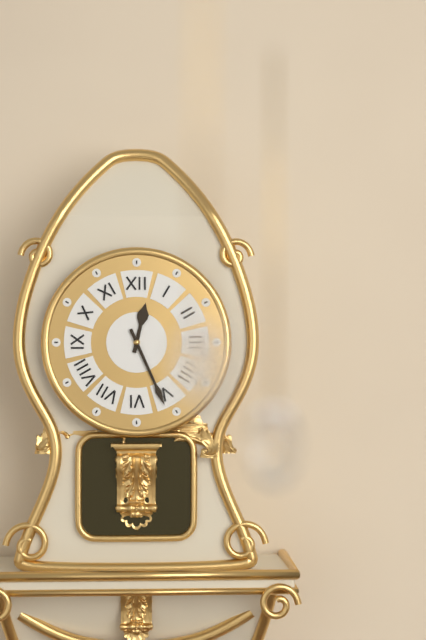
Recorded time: **12:26**
